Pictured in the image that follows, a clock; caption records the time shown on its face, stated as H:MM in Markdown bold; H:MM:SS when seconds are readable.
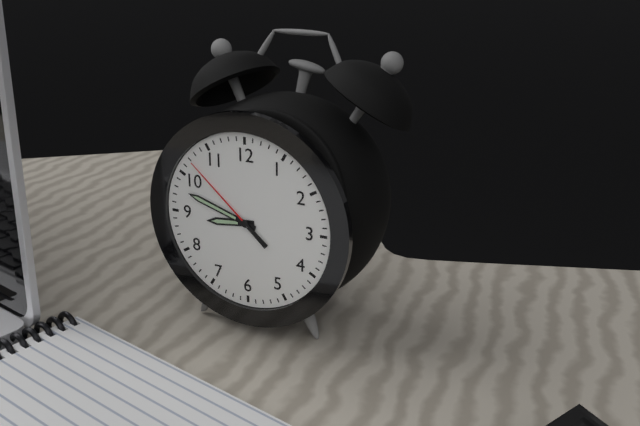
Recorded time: **8:48:52**
